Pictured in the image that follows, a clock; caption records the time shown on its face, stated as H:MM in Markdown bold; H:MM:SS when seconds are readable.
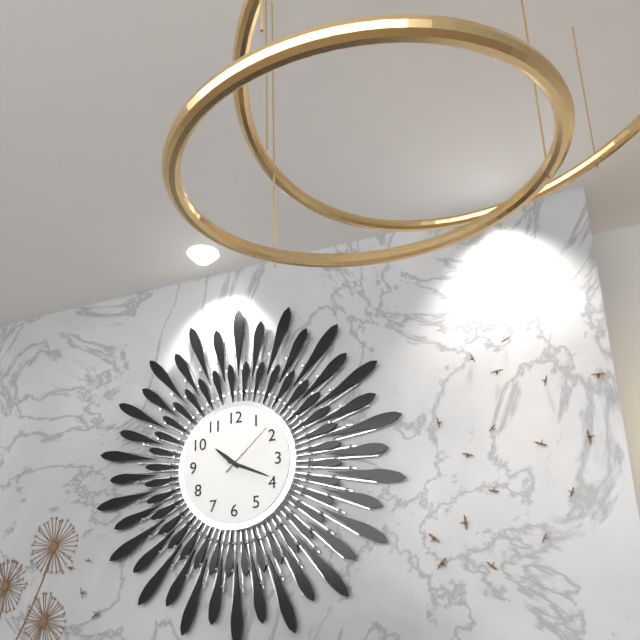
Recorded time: **10:19:08**
